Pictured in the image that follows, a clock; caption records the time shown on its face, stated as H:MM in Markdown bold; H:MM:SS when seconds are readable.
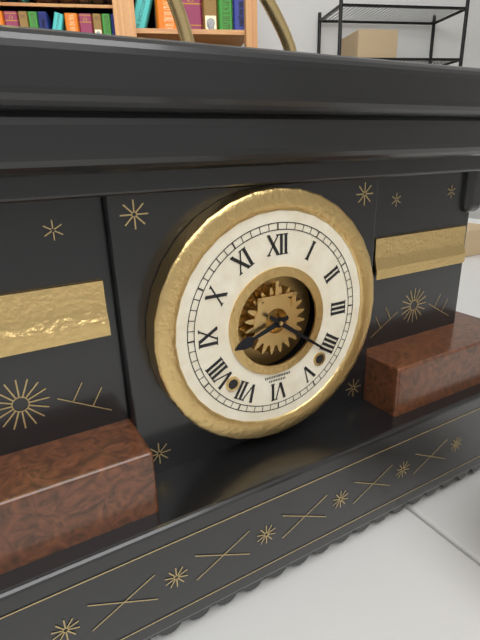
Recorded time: **8:21**
